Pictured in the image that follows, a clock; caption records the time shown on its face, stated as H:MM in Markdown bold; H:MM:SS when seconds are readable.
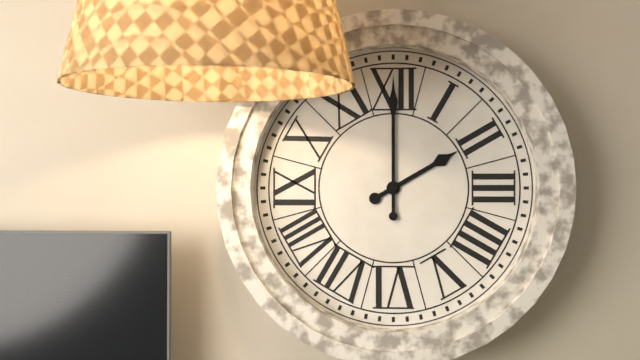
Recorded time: **2:00**
